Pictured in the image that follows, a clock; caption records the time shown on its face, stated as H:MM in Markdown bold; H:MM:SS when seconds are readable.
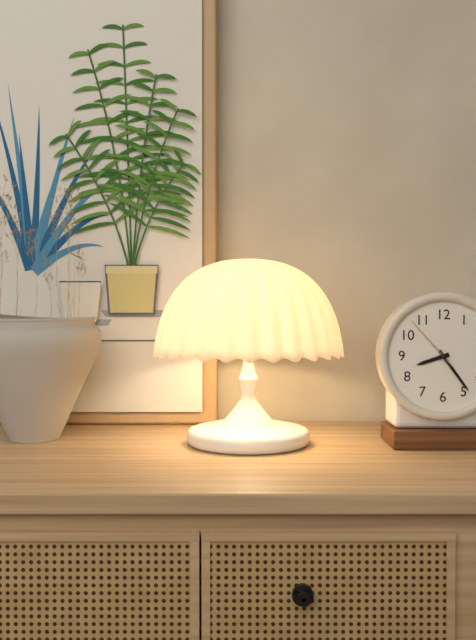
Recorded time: **8:24:53**
